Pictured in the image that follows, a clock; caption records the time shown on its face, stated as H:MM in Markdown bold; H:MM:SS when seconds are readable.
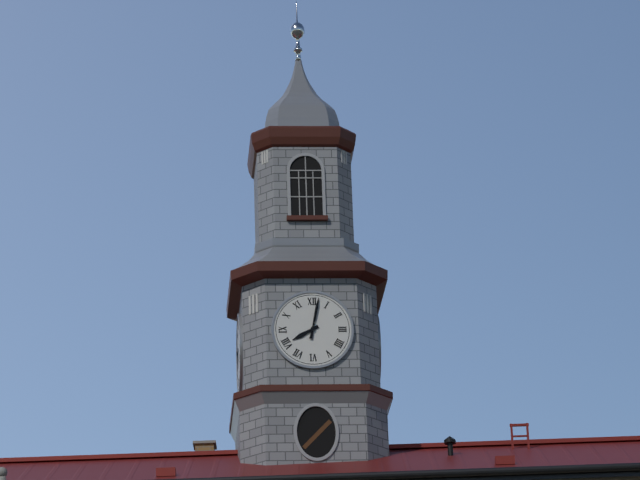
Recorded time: **8:02**
